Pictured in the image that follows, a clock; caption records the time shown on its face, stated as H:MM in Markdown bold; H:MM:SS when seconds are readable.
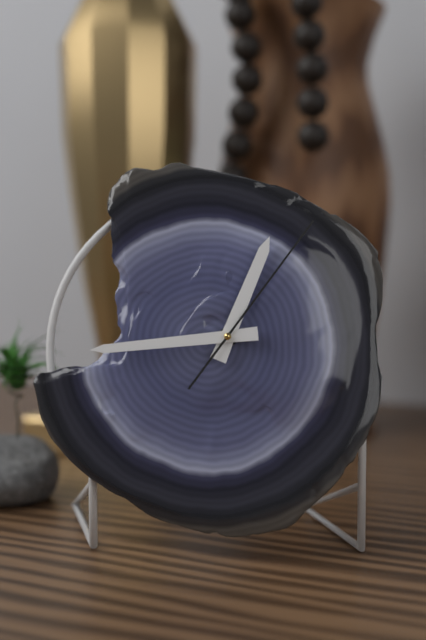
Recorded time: **12:44:06**
